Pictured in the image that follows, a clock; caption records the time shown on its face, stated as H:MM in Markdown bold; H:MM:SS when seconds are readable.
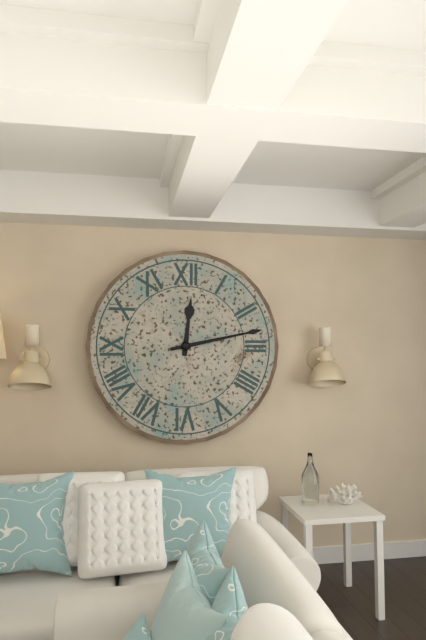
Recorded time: **12:13**
